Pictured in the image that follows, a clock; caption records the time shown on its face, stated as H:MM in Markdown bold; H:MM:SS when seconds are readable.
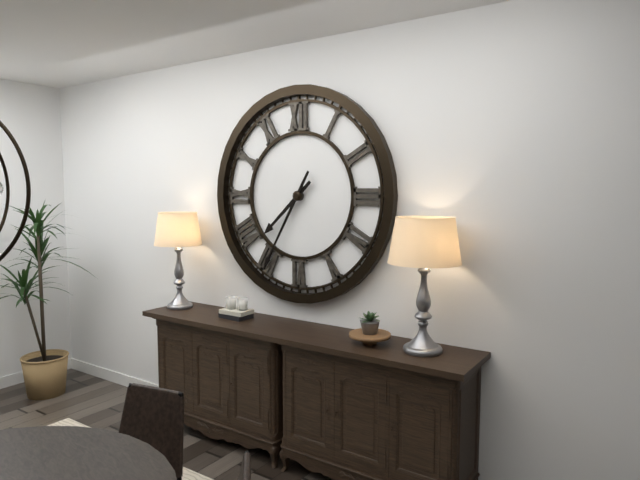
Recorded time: **7:35**
